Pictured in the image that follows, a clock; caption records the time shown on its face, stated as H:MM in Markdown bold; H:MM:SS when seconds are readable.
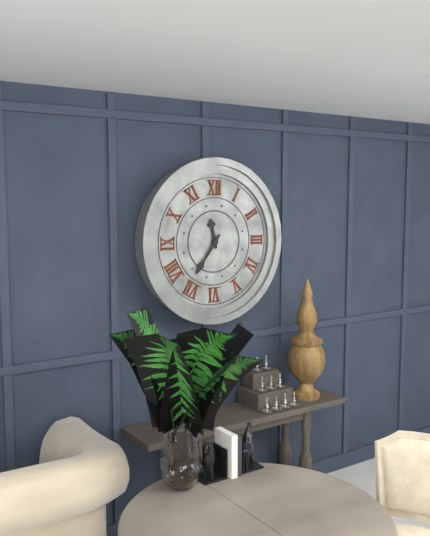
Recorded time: **11:36**
